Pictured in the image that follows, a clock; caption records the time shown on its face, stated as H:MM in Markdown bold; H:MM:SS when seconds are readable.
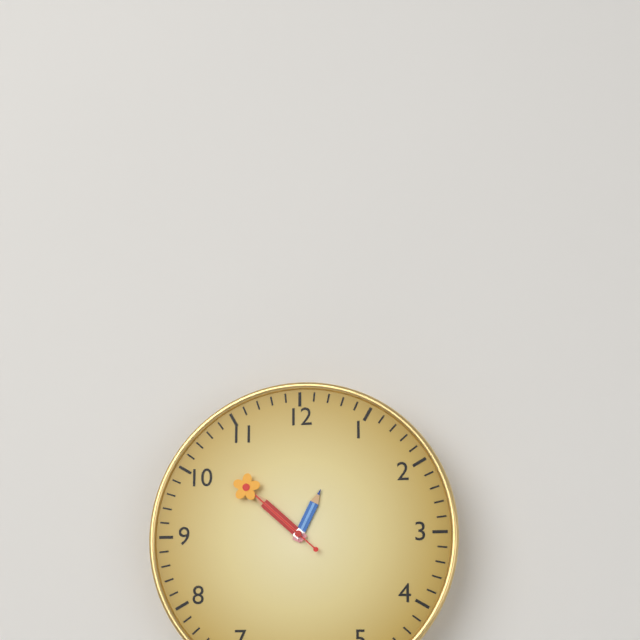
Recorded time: **12:52:52**
